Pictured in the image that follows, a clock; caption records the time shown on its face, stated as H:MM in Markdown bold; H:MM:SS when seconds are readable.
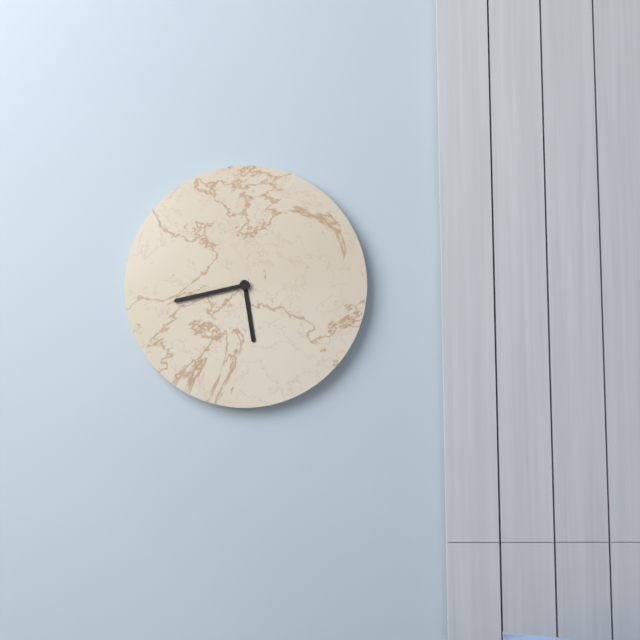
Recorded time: **5:43**
